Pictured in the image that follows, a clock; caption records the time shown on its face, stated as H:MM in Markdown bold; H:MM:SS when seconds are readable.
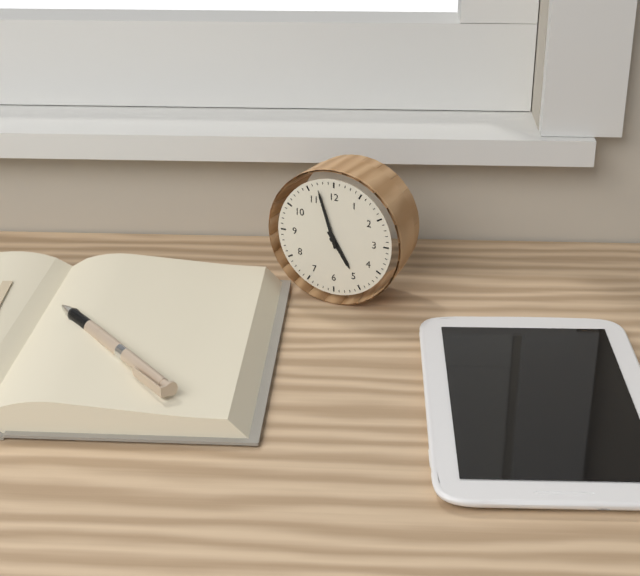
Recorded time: **4:57**
